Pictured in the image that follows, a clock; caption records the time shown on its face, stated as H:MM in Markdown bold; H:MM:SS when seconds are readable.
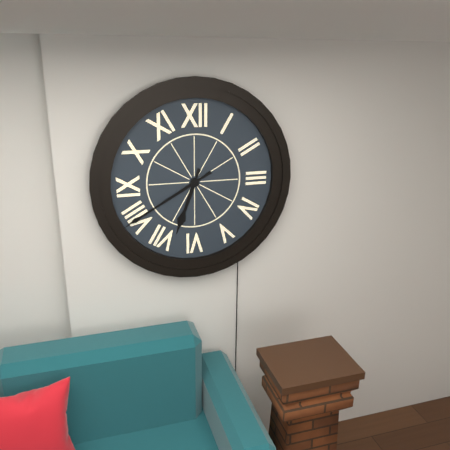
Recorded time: **6:40**
